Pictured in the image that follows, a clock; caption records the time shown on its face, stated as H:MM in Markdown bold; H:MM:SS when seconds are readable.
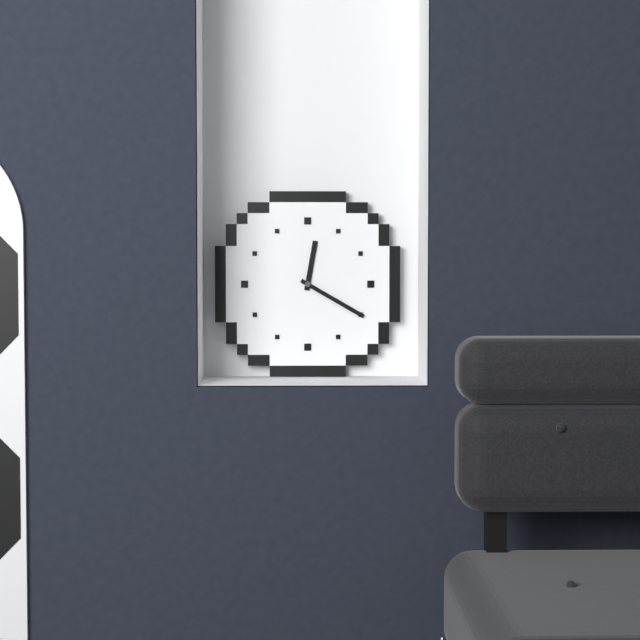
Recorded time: **12:20**
